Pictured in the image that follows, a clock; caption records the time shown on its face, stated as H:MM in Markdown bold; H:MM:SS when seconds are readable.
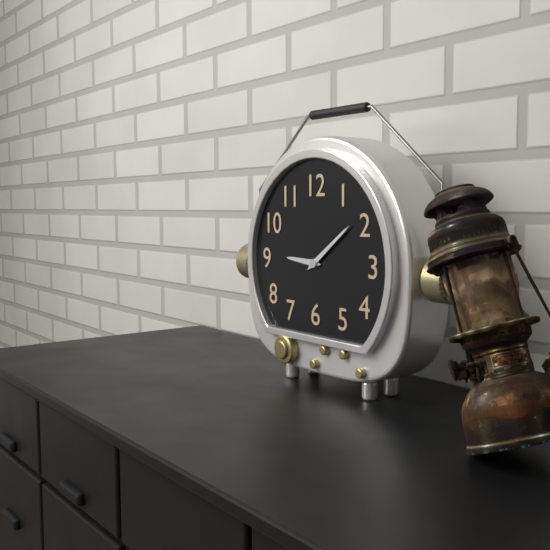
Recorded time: **9:09**
